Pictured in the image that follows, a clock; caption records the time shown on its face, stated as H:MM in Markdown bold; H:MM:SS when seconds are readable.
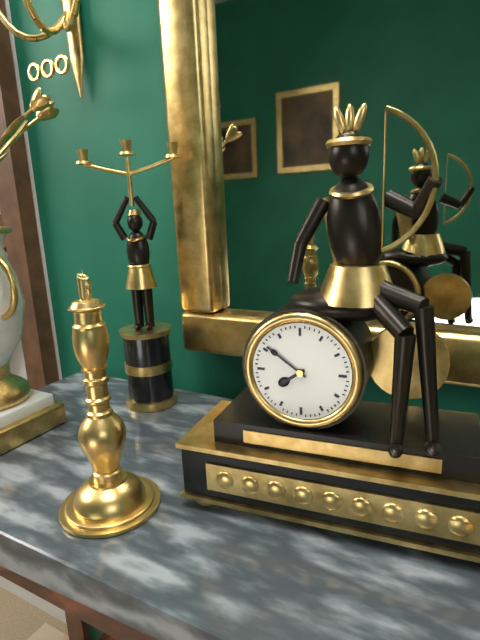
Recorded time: **7:51**
